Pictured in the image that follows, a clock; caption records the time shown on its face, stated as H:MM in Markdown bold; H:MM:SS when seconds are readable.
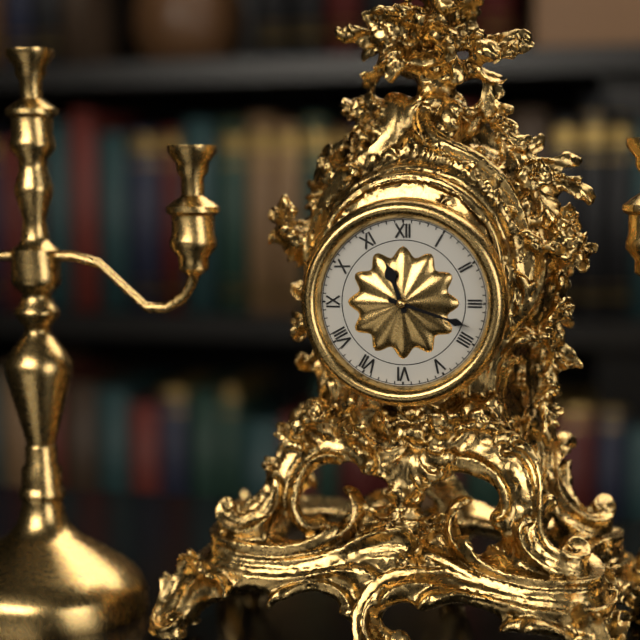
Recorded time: **11:18**
